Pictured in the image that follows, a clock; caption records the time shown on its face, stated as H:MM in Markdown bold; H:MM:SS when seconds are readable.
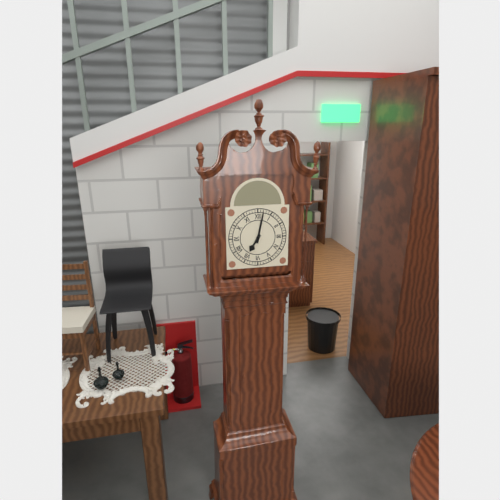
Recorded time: **7:02**
